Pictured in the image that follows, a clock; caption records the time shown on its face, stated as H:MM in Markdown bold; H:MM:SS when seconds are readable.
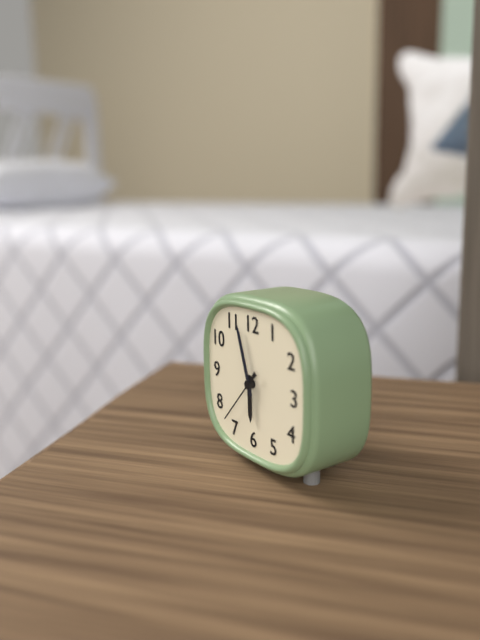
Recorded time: **5:57:37**
